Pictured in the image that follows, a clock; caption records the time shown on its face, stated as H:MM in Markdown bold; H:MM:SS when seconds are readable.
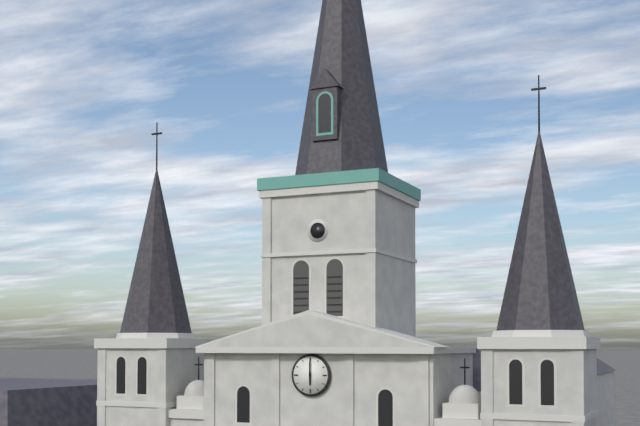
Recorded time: **6:00**
